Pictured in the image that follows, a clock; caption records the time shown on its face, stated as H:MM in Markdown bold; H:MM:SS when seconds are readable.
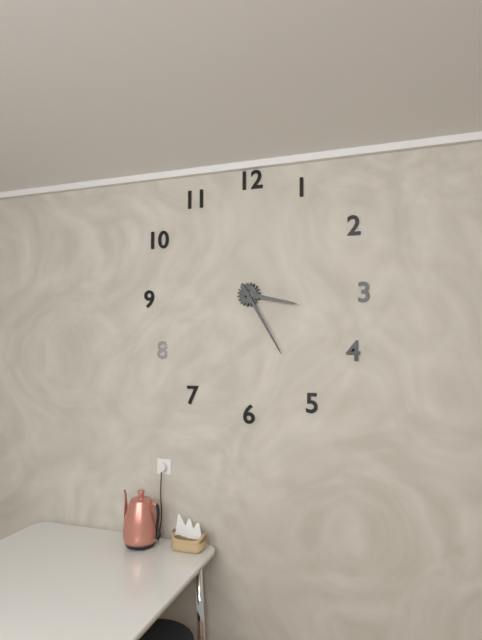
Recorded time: **3:25**
